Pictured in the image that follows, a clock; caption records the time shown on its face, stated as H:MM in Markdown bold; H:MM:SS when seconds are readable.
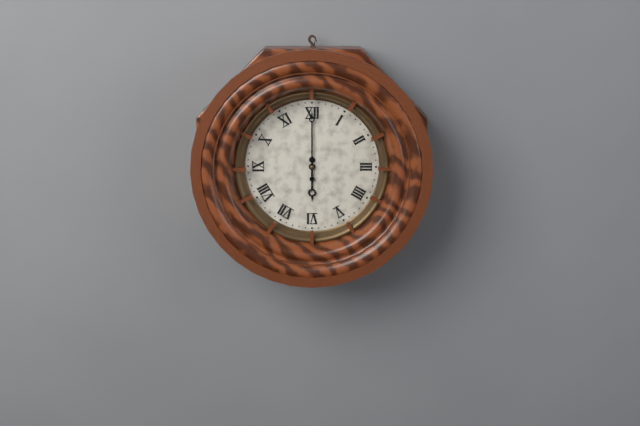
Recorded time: **6:00**
